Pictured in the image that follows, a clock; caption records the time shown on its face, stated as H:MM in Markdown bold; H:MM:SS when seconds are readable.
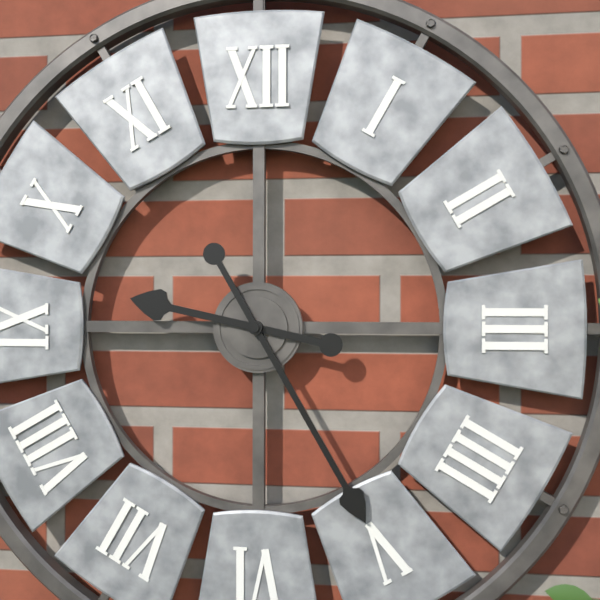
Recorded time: **9:25**
